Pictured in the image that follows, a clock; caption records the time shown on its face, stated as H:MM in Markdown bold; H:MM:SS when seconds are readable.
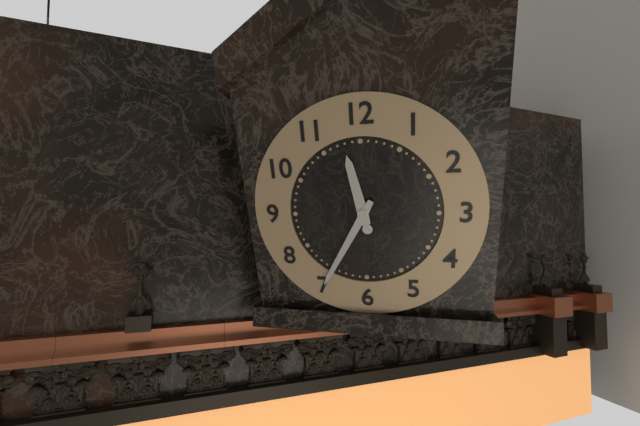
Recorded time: **11:35**
